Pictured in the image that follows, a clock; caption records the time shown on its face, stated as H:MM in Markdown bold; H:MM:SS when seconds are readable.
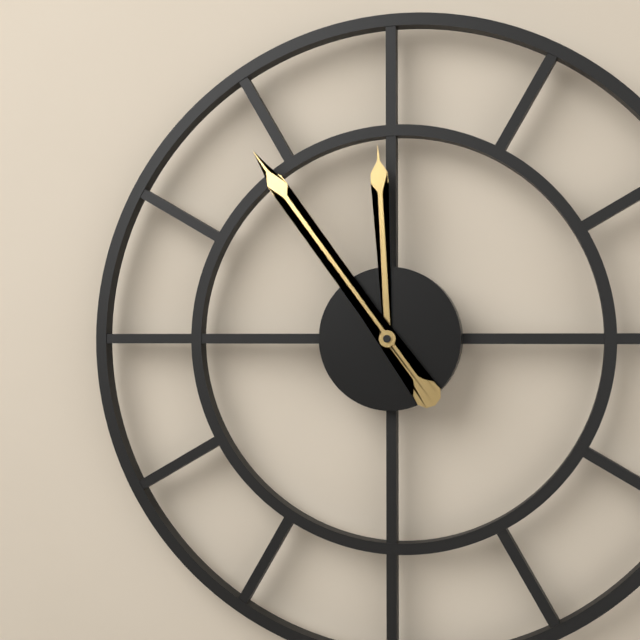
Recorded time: **11:54**
